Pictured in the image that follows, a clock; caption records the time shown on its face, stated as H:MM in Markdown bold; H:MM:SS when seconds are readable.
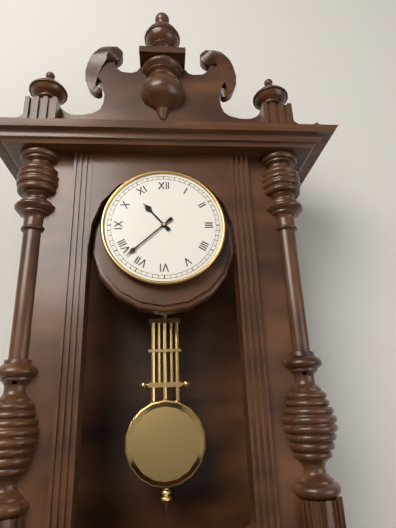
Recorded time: **10:38**
